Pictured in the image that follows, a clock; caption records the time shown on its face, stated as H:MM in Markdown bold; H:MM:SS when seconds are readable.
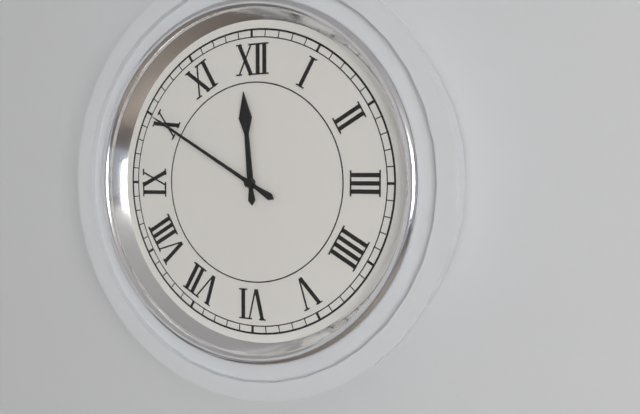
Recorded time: **11:50**
